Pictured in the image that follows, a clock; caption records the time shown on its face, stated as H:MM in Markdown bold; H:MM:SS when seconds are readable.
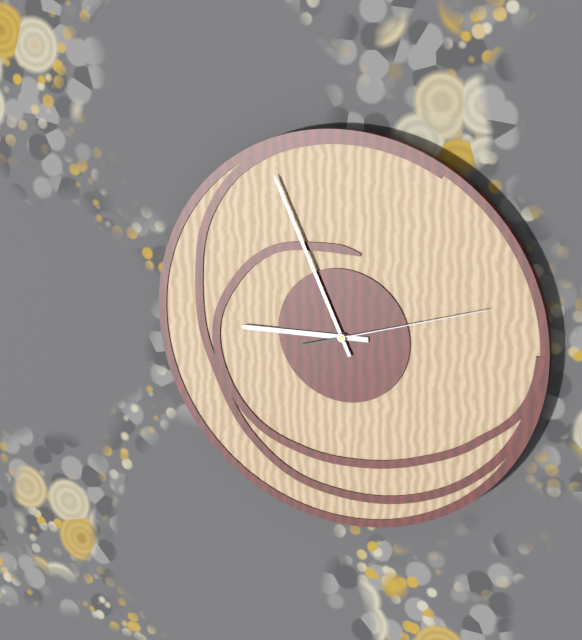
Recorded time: **8:56:12**
